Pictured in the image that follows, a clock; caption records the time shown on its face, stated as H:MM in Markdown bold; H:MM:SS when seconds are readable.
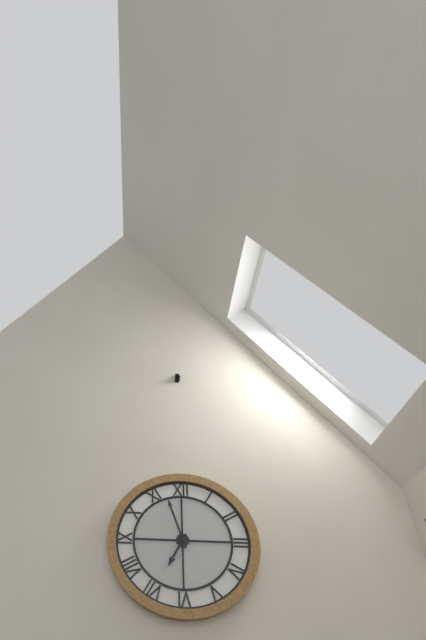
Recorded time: **6:57**
